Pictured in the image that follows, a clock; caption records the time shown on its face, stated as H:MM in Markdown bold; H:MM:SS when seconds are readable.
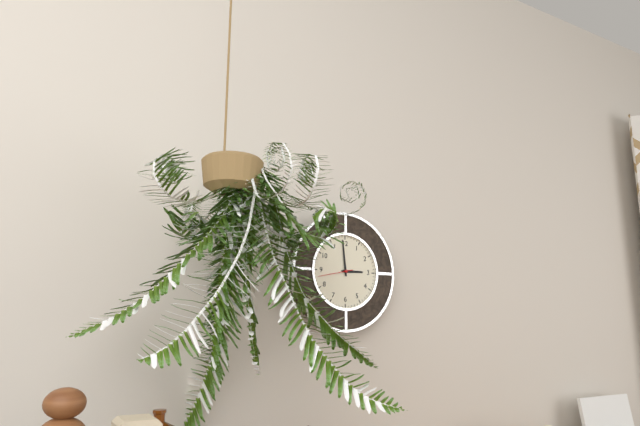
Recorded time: **2:59**
